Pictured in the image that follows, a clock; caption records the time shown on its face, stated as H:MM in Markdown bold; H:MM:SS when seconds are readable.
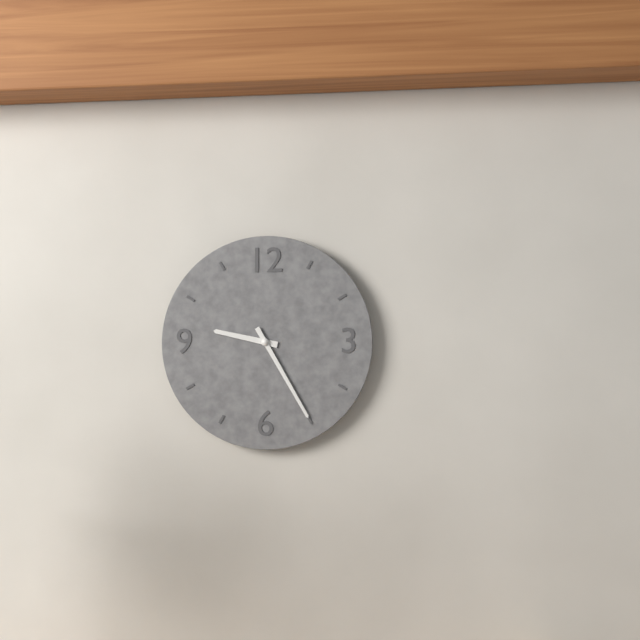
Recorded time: **9:25**
